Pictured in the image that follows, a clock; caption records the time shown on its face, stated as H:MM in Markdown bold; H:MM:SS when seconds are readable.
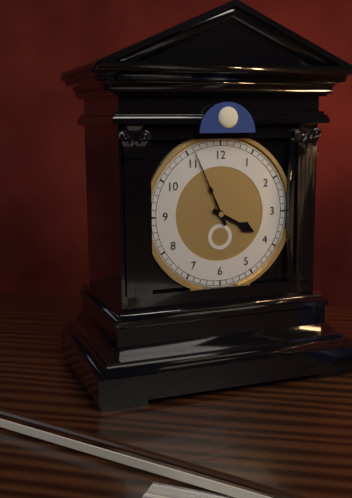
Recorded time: **3:56**
